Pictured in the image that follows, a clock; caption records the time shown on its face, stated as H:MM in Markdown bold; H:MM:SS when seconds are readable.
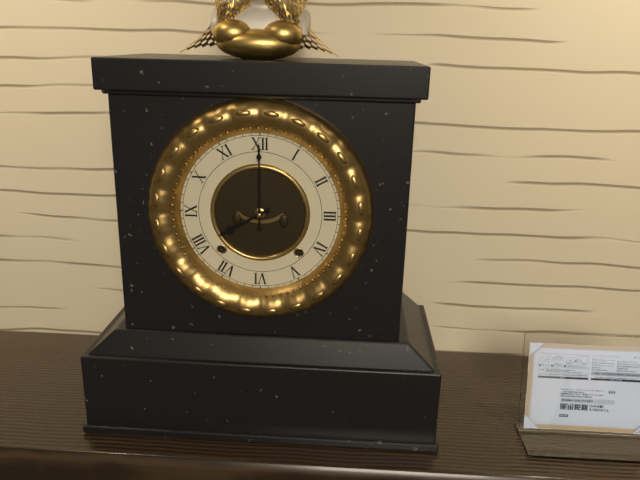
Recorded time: **8:00**
